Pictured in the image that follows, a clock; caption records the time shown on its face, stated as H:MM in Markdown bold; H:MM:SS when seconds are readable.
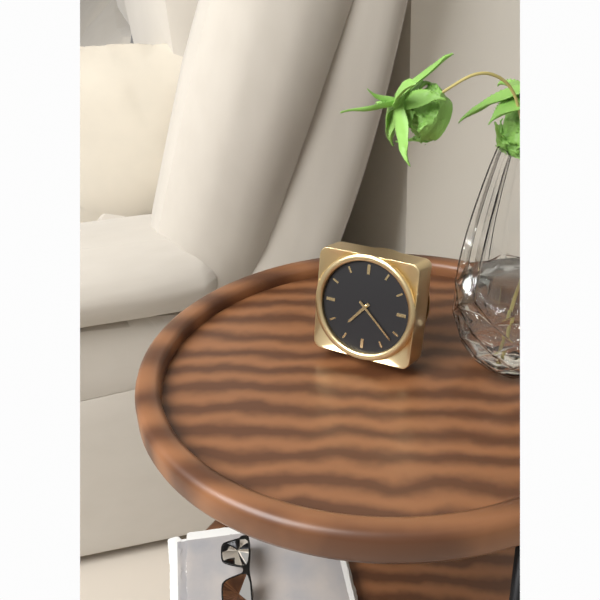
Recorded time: **7:22**
